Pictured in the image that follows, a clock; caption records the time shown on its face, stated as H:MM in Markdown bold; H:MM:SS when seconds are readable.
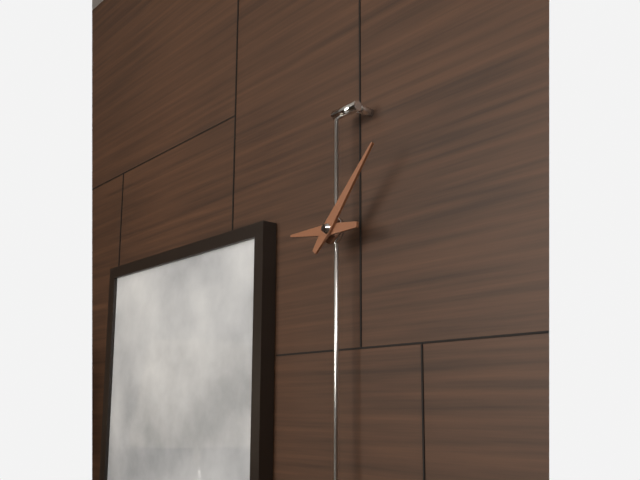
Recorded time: **9:07**
